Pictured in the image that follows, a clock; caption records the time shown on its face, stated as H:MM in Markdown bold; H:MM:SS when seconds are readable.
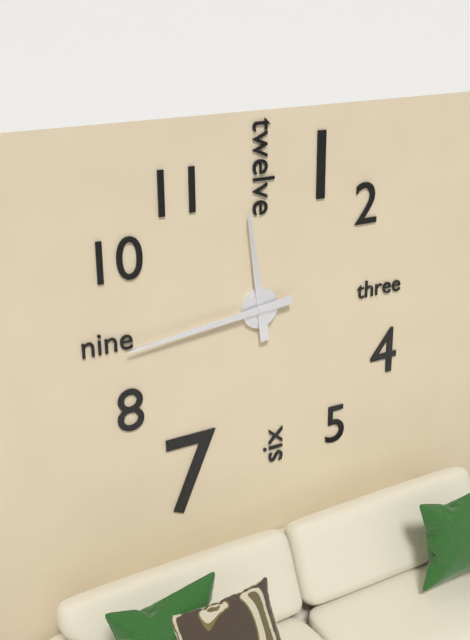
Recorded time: **11:44**
